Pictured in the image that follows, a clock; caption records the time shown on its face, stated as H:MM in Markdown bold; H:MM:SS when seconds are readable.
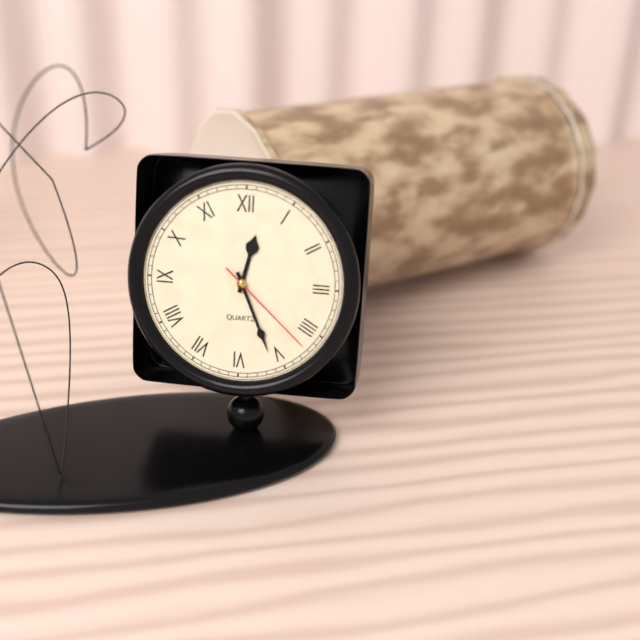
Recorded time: **12:26:22**
